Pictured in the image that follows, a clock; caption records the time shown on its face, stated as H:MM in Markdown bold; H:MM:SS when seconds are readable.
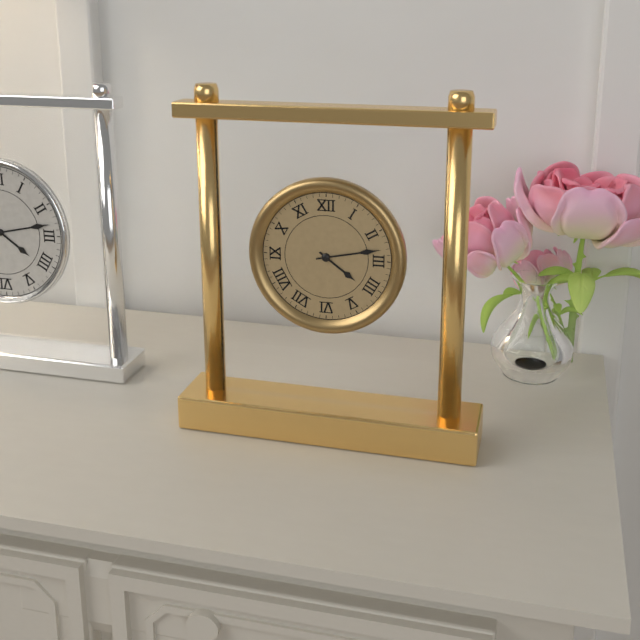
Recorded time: **4:13**
